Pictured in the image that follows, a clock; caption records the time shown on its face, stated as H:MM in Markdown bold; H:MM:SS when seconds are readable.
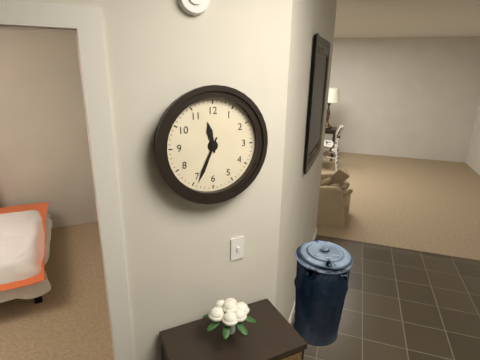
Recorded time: **11:34**
